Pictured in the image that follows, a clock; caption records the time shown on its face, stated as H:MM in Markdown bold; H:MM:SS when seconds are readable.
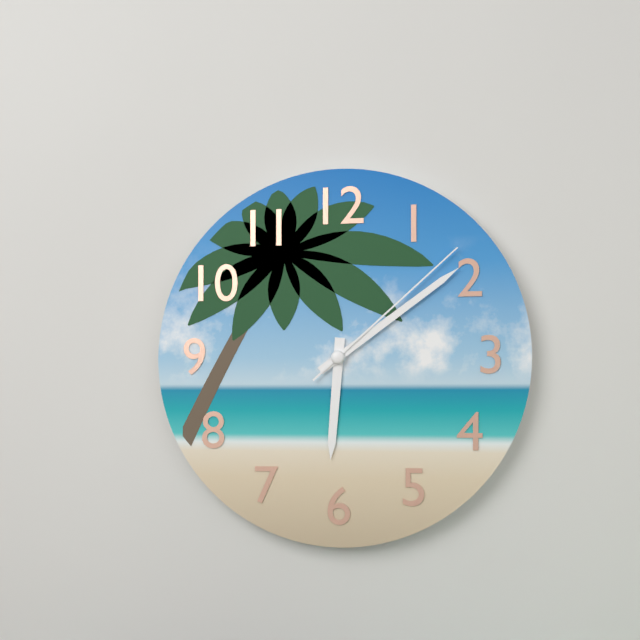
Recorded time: **6:09:08**
